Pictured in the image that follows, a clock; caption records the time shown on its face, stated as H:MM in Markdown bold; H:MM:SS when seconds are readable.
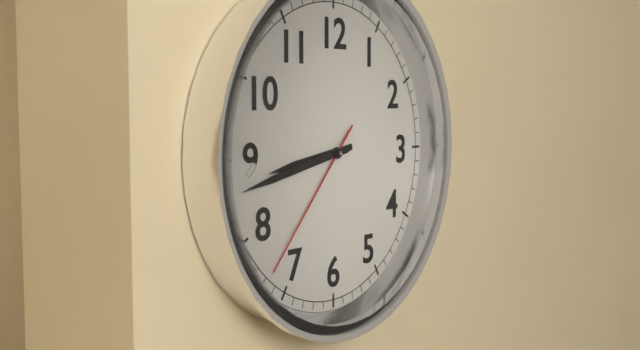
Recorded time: **8:43:37**
